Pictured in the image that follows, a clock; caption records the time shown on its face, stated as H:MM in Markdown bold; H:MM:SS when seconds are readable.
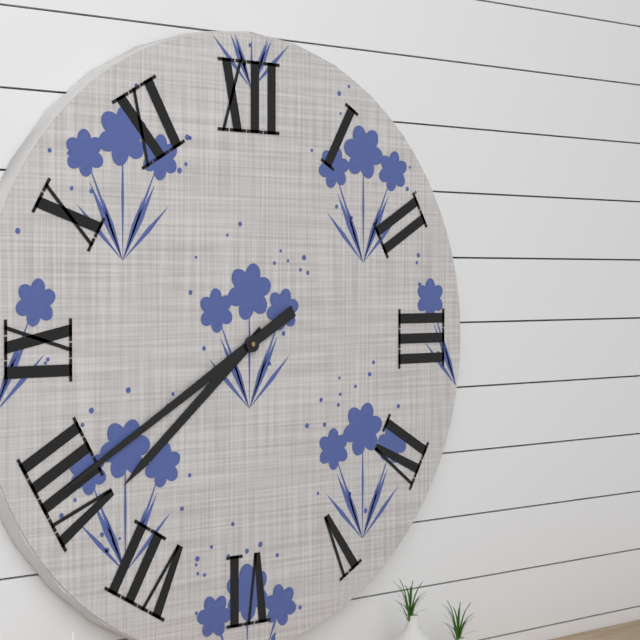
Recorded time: **7:40**
